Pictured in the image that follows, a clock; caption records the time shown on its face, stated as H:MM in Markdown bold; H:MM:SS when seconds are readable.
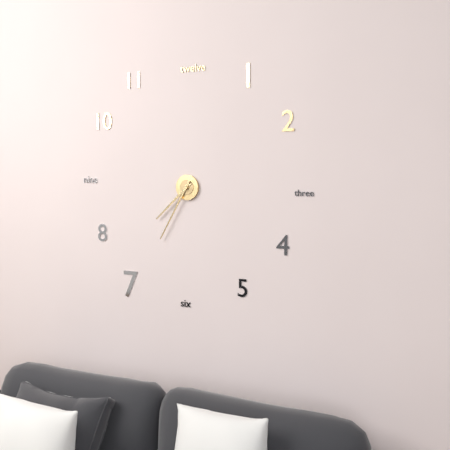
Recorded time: **7:35**
